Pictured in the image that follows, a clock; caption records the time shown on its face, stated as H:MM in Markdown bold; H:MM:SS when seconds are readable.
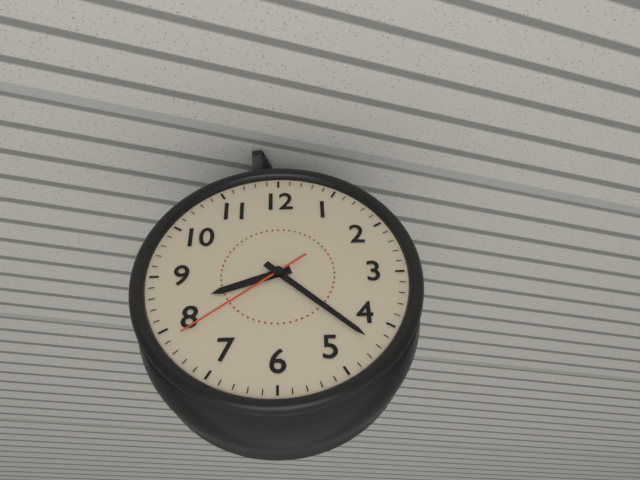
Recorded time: **8:22:39**
